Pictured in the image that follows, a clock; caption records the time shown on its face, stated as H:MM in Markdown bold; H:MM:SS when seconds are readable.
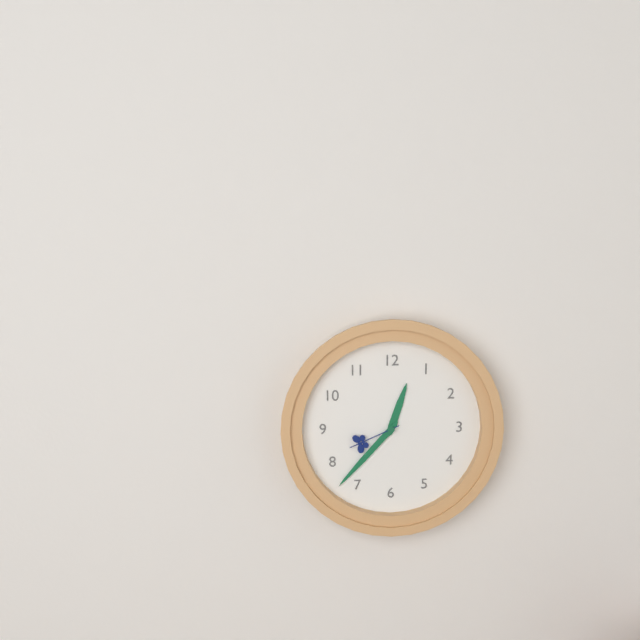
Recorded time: **12:37:41**
